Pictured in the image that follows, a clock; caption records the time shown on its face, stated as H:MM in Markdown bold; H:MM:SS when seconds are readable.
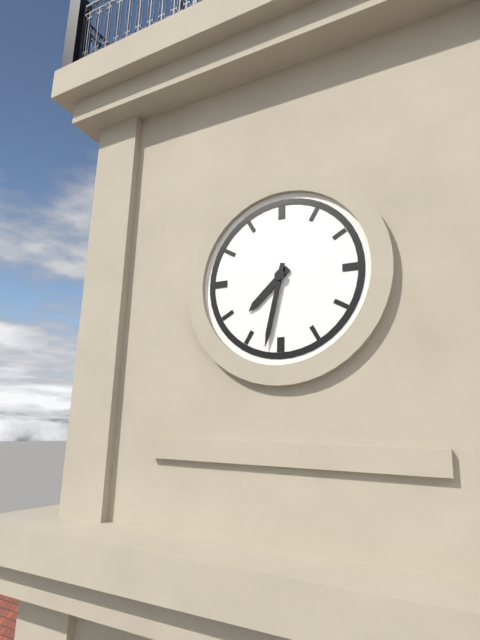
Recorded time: **7:32**
